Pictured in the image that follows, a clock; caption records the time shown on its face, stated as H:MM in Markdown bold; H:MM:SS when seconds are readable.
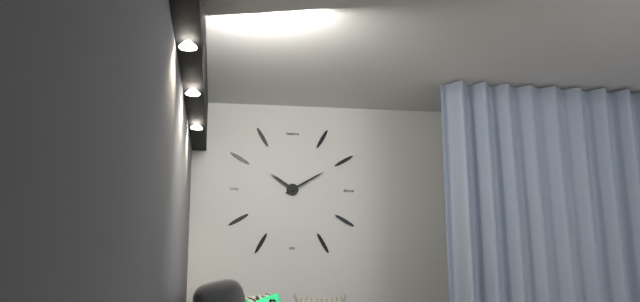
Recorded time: **10:10**
